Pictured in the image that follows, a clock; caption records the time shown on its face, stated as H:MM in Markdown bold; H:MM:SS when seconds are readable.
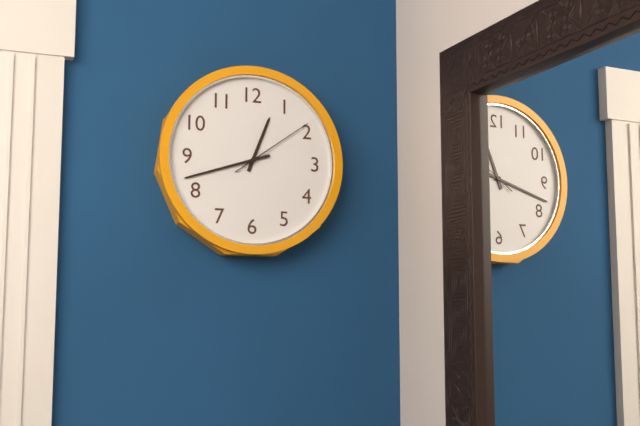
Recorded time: **12:42:09**
